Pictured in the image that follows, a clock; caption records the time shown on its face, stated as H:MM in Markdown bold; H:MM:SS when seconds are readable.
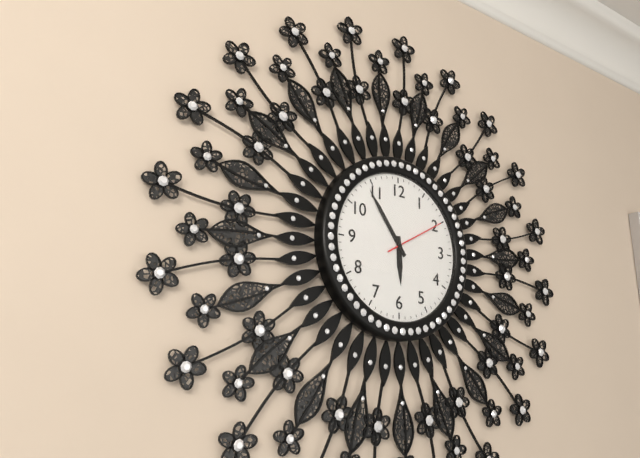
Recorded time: **5:54:10**
